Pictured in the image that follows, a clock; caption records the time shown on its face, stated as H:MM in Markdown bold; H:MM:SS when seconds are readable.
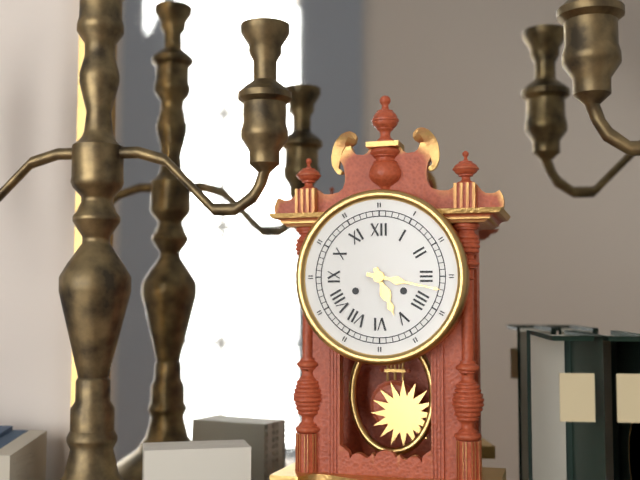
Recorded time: **5:17**
